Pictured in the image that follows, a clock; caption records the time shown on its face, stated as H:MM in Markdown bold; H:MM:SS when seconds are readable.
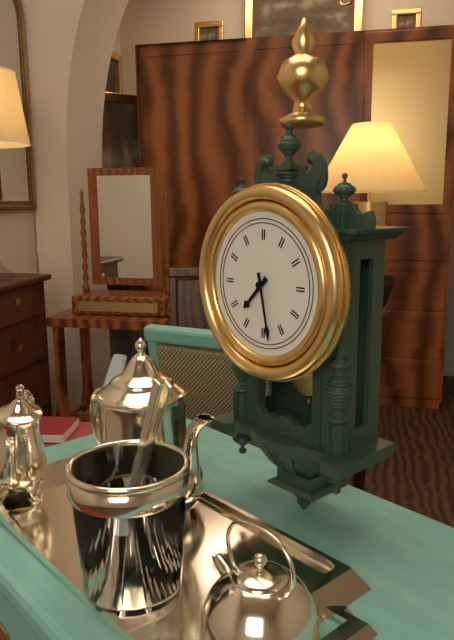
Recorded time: **7:28**
